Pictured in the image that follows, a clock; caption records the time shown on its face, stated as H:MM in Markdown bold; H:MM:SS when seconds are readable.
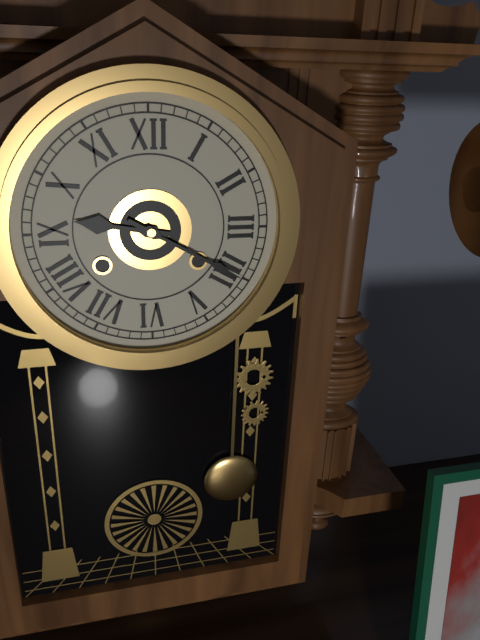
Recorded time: **9:20**
